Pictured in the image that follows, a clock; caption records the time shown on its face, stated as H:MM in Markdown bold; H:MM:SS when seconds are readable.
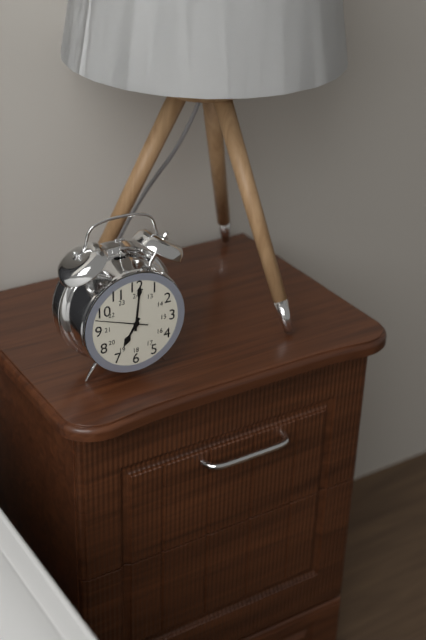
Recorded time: **7:01:48**
